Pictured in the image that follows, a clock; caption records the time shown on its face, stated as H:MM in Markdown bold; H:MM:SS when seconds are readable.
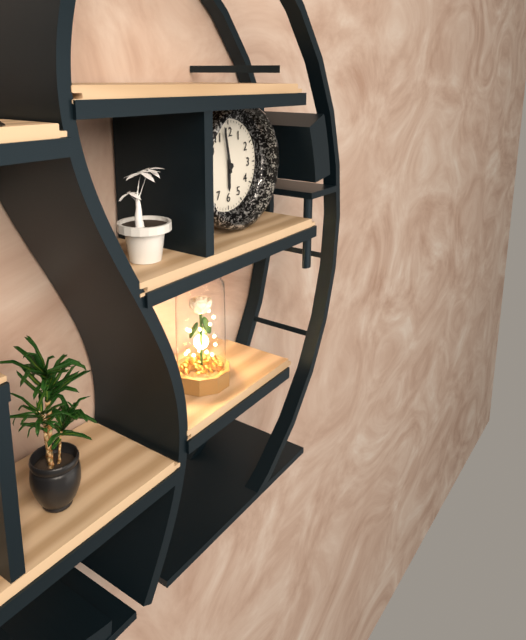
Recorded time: **5:58**
